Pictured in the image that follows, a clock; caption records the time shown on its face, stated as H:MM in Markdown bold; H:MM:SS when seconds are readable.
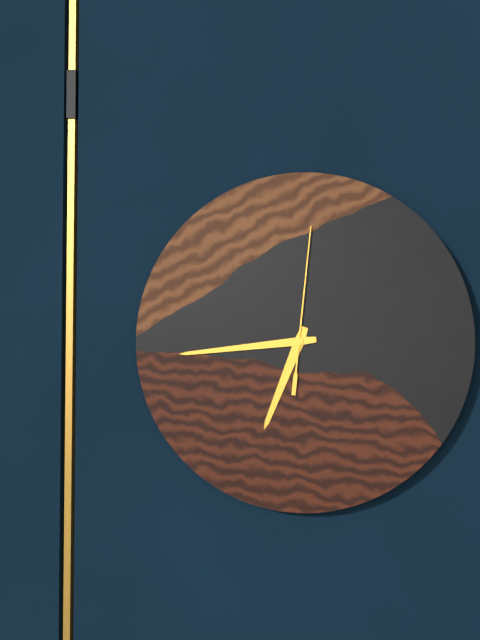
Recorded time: **6:44:01**
